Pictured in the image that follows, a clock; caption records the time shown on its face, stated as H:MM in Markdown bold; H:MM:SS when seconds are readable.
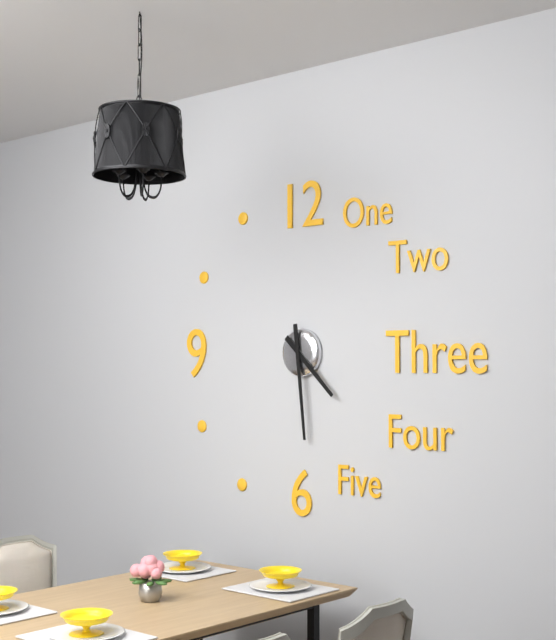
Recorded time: **4:29**
